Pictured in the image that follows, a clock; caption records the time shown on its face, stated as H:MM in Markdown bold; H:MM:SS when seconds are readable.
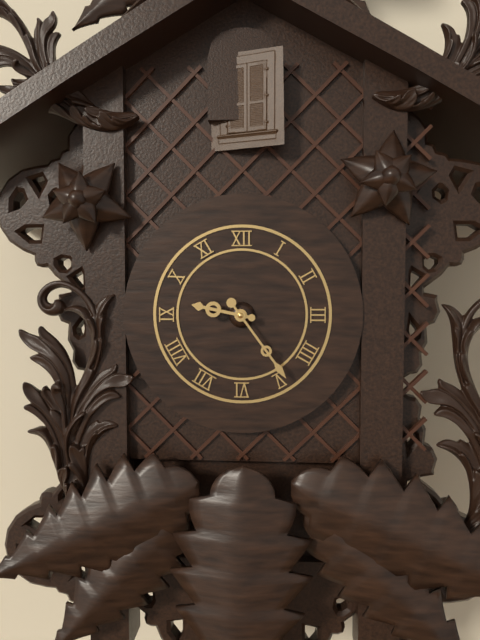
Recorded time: **9:24**
